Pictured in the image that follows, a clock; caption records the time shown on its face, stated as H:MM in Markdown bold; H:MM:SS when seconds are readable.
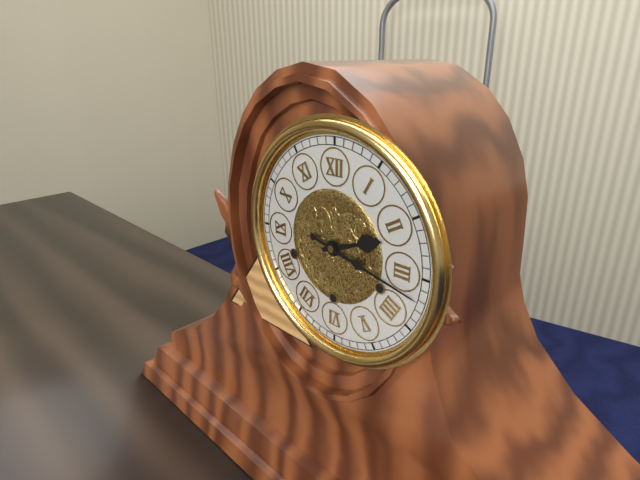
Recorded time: **2:17**
